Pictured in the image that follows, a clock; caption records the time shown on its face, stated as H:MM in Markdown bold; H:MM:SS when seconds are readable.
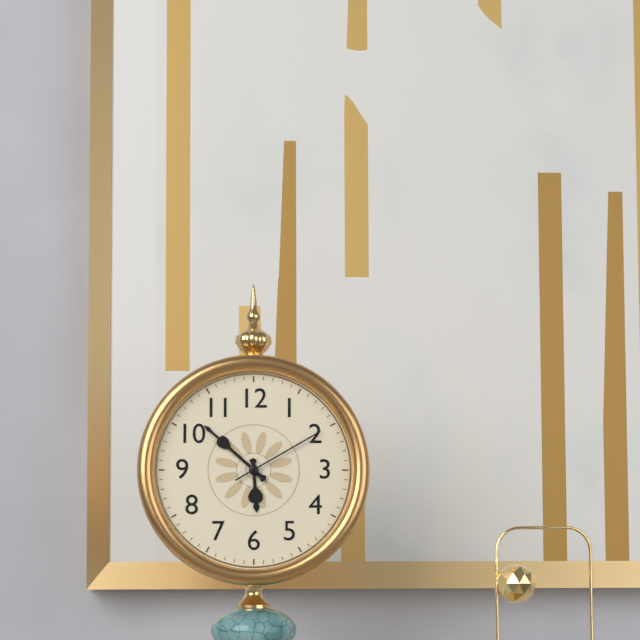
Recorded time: **5:52:10**
